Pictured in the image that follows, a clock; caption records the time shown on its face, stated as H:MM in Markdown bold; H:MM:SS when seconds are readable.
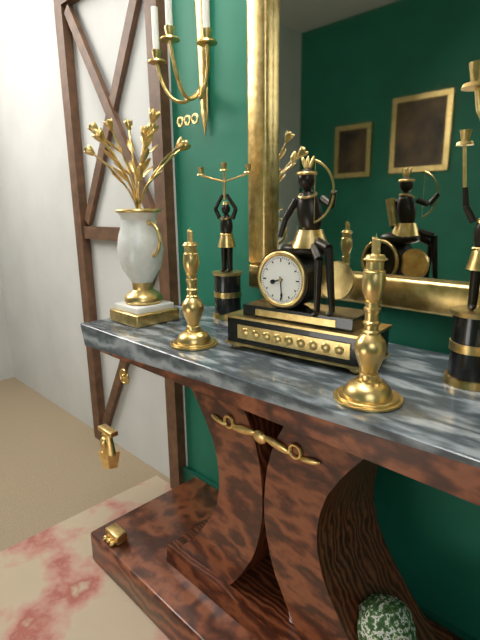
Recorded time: **8:29**
